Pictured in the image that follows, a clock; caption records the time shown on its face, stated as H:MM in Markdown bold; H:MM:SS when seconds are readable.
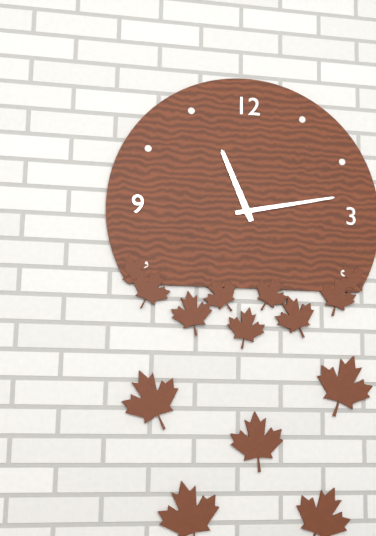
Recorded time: **11:13**
